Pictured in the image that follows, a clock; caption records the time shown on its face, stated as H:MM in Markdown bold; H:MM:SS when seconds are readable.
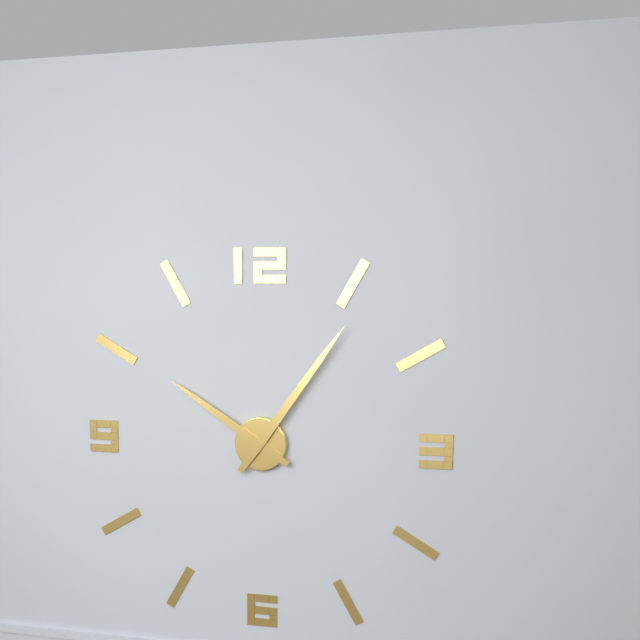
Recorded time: **10:06**
